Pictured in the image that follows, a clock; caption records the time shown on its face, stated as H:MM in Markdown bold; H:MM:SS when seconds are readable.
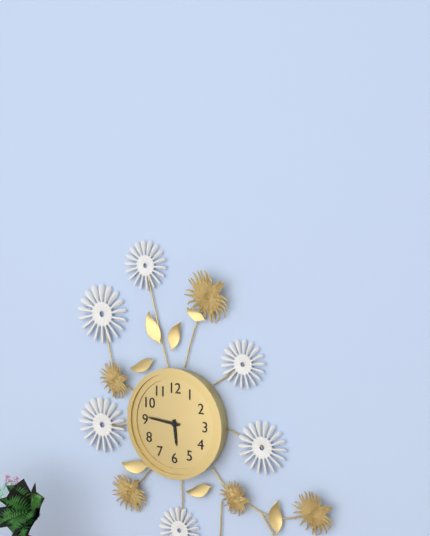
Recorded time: **5:46**
